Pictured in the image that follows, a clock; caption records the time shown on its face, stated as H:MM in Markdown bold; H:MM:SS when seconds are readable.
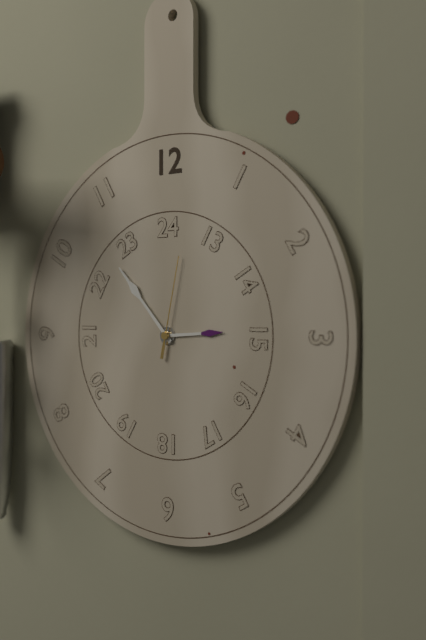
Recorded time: **2:53:02**
